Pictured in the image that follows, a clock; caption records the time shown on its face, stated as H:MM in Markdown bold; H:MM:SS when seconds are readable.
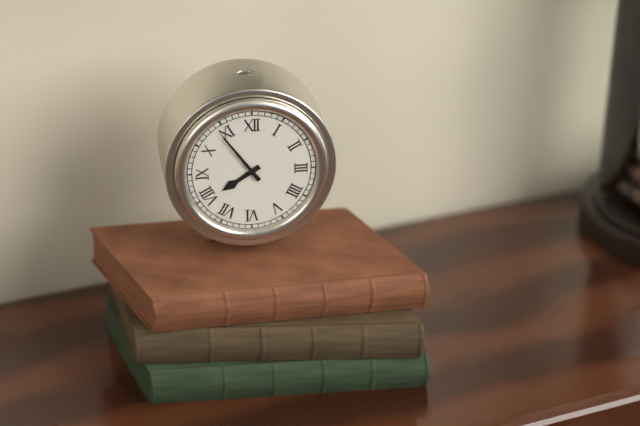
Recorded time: **7:54**
